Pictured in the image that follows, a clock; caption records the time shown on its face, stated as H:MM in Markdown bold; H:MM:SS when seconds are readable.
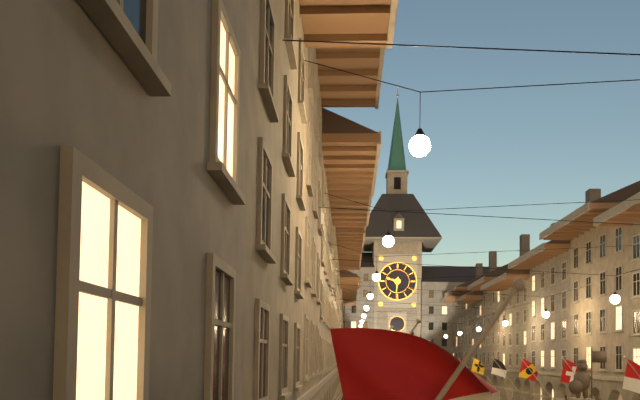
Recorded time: **9:31**
